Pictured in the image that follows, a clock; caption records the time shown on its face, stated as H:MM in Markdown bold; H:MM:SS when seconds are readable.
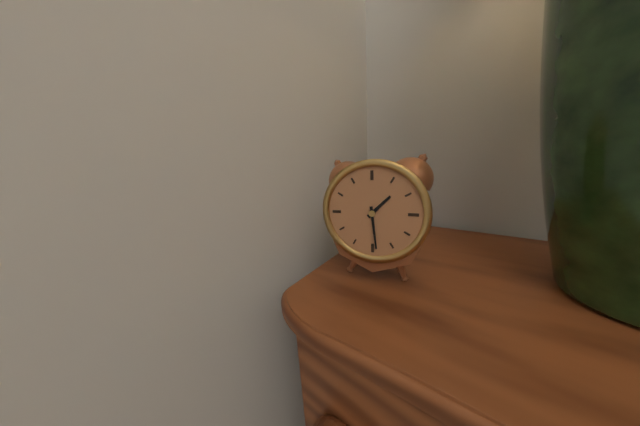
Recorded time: **1:29**
